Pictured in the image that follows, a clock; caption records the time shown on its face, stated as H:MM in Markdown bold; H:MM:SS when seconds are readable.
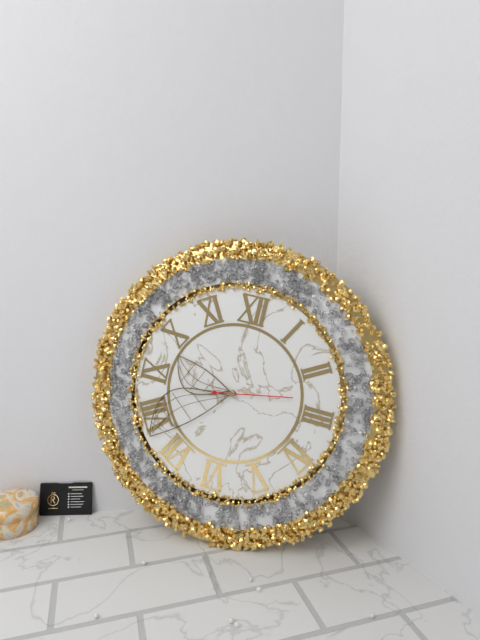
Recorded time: **9:38:13**
